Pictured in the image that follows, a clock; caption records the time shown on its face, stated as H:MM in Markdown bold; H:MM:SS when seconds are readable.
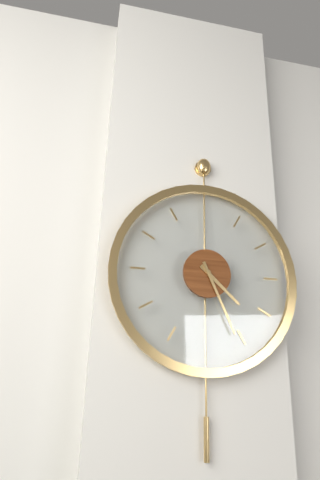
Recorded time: **4:26**
